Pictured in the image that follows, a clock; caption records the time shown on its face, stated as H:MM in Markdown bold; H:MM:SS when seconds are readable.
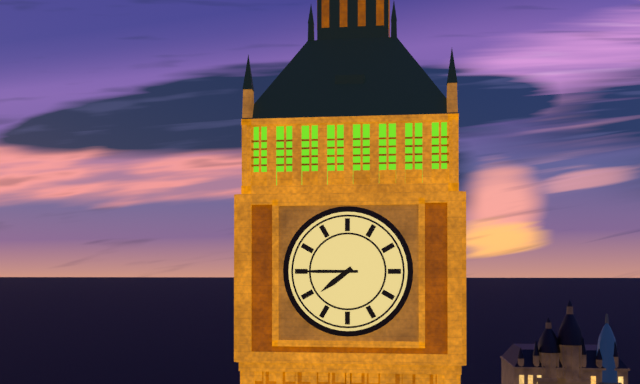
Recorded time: **7:45**
